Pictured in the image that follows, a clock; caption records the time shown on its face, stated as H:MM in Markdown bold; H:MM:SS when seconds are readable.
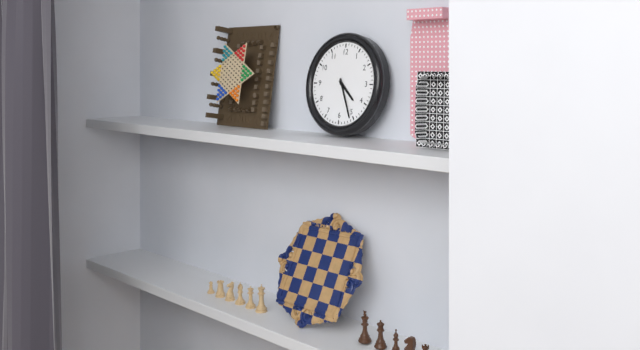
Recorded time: **4:26**
